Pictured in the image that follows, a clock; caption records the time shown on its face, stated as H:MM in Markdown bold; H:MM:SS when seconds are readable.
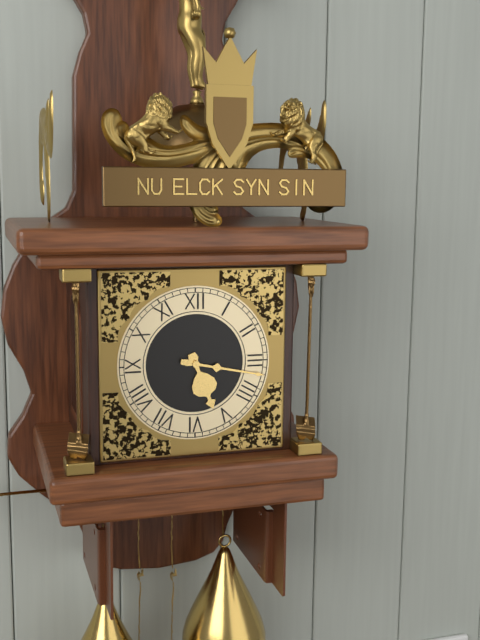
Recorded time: **5:17**
